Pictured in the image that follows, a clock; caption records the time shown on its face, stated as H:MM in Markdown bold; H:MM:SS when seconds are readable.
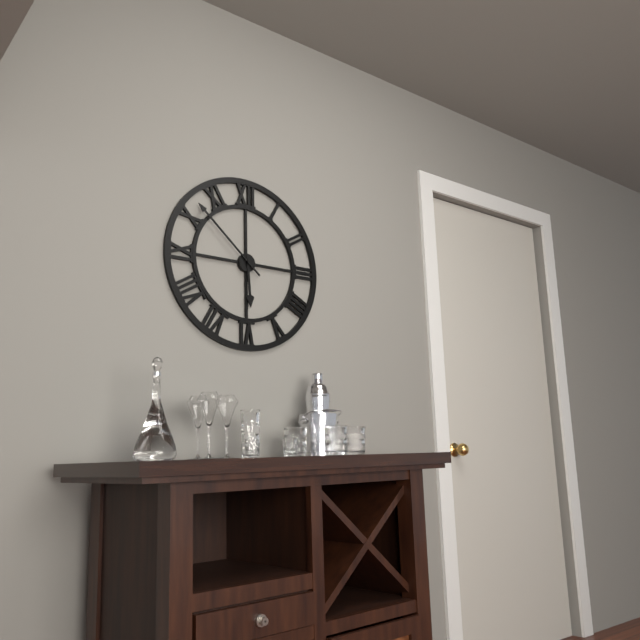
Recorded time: **5:52**
